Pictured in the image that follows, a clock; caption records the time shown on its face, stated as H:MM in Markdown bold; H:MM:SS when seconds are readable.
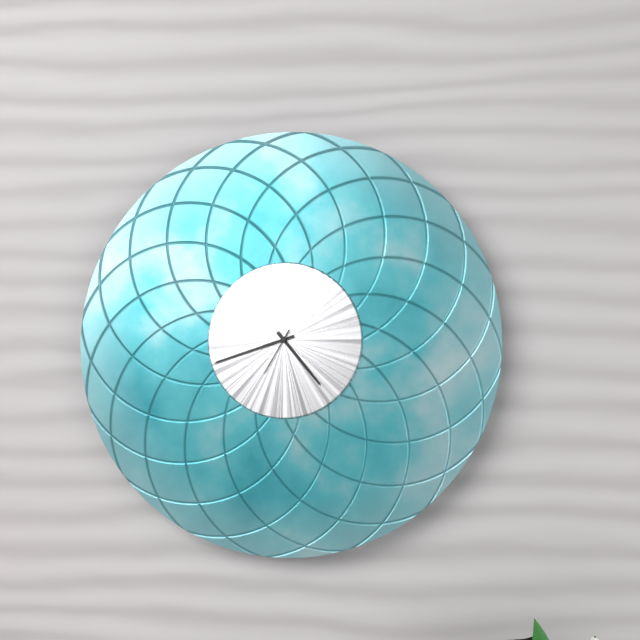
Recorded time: **4:42**
